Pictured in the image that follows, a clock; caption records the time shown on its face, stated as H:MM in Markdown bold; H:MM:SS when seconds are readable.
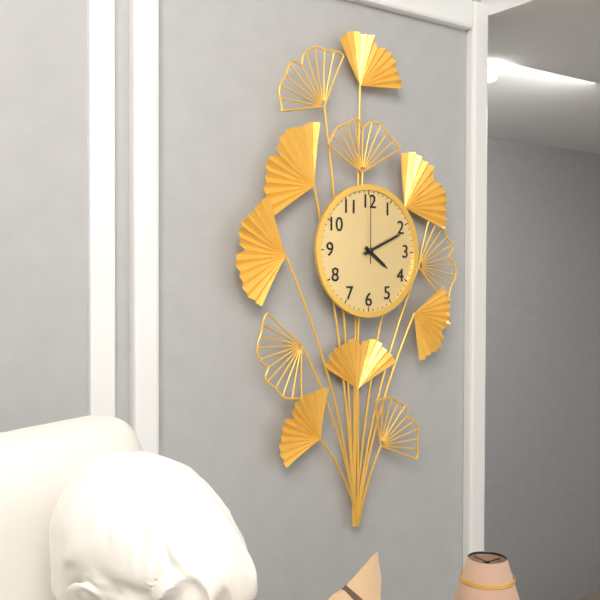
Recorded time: **4:11:00**
